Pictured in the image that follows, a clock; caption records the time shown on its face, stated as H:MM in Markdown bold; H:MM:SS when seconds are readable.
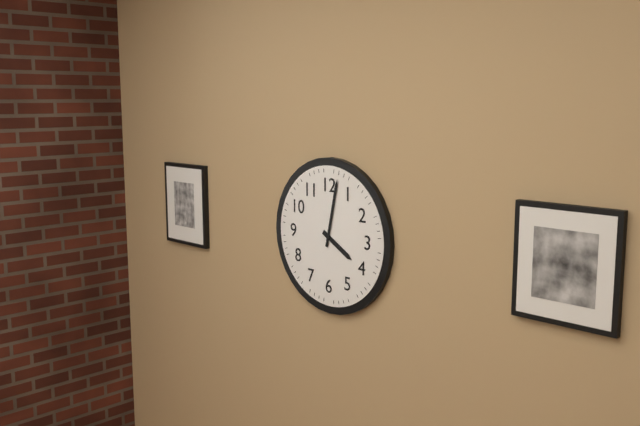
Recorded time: **4:02**
